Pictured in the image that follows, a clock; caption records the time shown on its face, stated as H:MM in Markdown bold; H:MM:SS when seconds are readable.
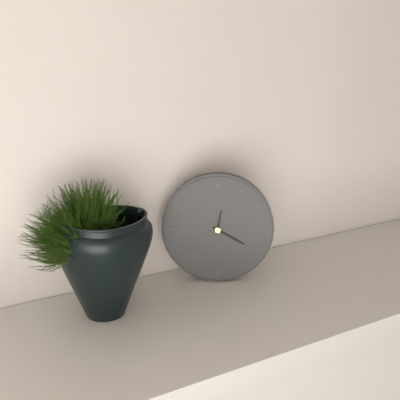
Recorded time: **12:20**
